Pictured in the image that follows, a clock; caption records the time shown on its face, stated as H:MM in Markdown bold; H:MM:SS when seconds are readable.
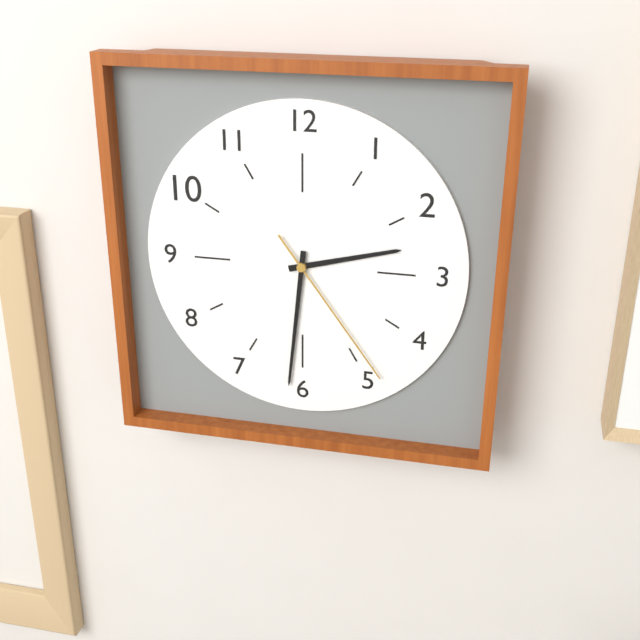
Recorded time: **2:31:24**
